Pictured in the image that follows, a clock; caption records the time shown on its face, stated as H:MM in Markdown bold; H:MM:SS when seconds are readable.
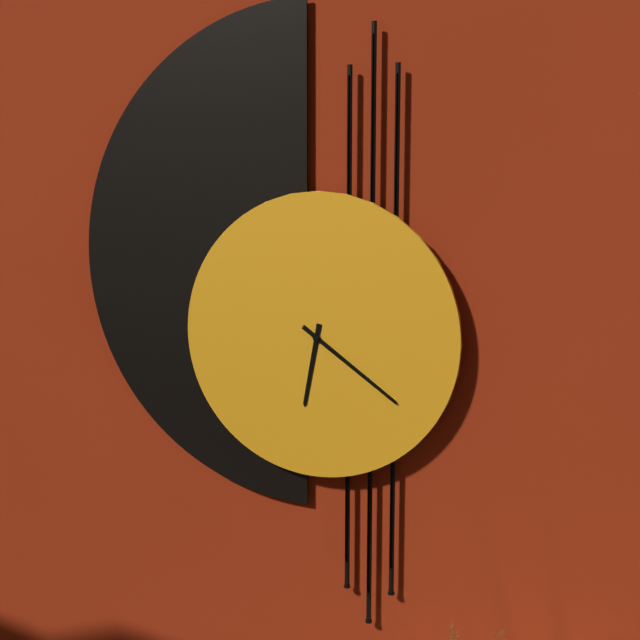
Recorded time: **6:21**
